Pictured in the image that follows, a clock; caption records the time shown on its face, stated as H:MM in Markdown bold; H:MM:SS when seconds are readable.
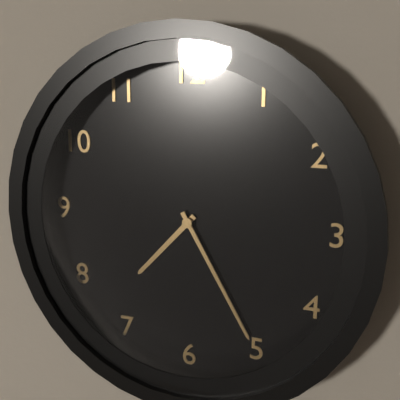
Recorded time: **7:25**
